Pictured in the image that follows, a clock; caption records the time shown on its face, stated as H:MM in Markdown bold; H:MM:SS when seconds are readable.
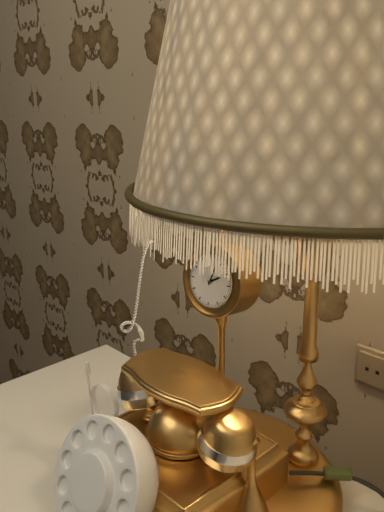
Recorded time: **2:03**
